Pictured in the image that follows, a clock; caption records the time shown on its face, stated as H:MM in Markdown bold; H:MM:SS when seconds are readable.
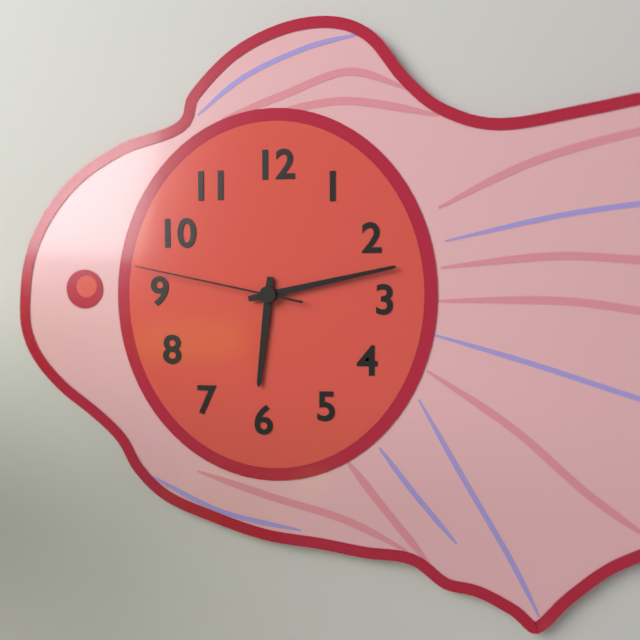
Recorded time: **6:13:47**
